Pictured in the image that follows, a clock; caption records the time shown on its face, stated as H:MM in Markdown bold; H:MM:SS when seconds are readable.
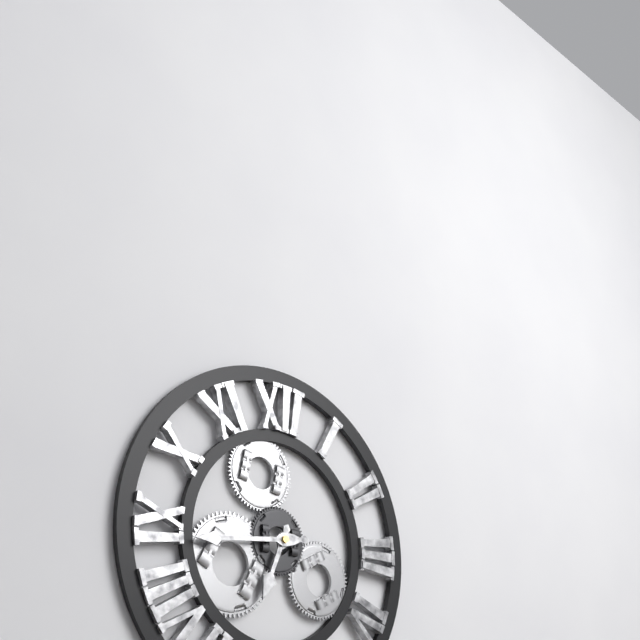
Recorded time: **6:44**
